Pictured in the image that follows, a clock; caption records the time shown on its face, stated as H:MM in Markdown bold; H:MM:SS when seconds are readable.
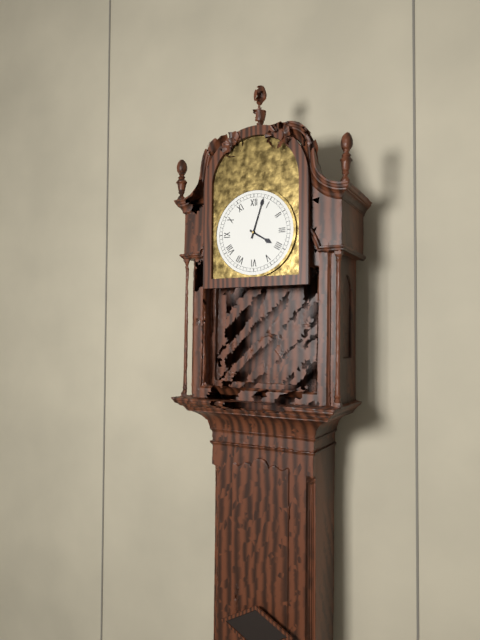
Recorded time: **4:03**
